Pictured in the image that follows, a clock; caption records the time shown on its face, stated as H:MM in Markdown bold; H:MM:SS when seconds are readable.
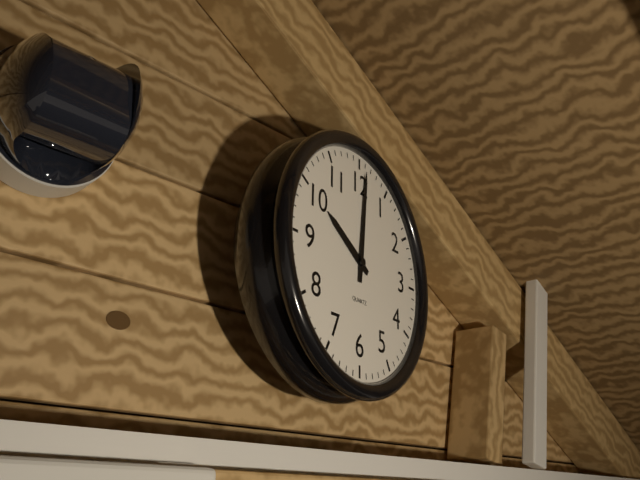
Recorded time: **10:01**
